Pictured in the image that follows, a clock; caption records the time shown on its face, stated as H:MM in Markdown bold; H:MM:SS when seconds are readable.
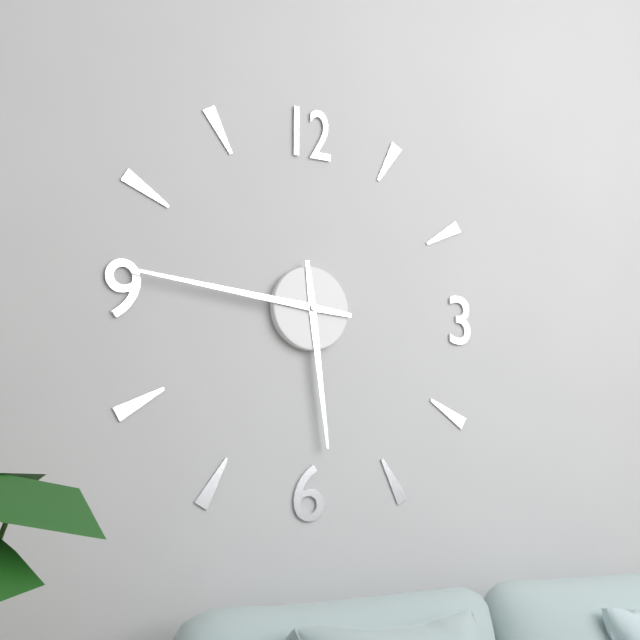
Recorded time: **5:46**
